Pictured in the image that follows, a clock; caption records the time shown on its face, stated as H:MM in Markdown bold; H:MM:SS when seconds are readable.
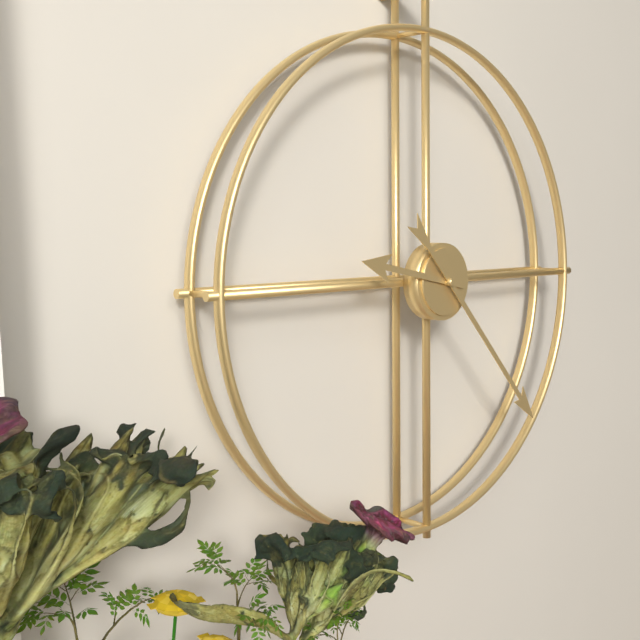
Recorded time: **9:23**
